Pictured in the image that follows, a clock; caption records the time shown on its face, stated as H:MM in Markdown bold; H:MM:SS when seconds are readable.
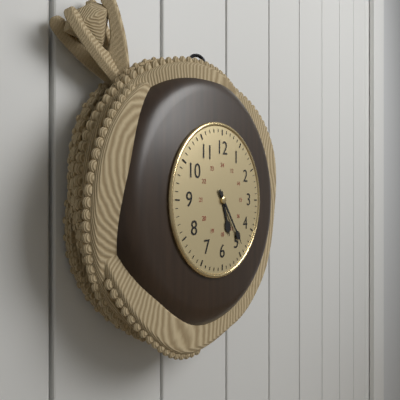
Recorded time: **5:24**
